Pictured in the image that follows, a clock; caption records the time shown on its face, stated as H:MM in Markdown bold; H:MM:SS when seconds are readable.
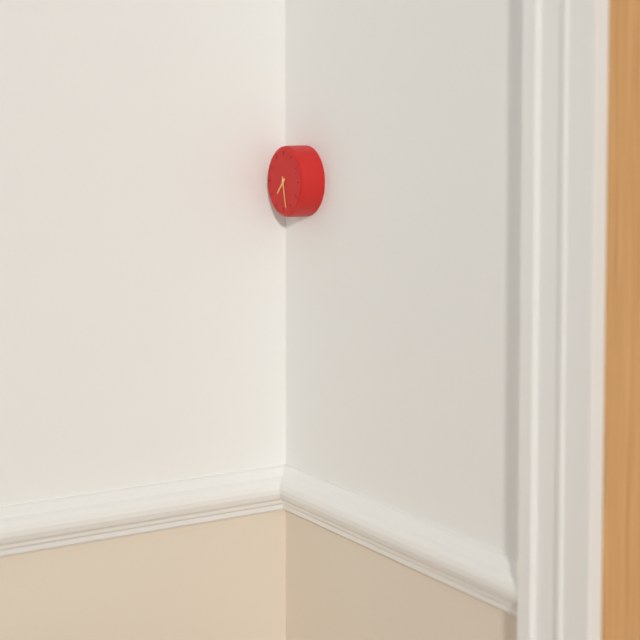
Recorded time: **7:28**
